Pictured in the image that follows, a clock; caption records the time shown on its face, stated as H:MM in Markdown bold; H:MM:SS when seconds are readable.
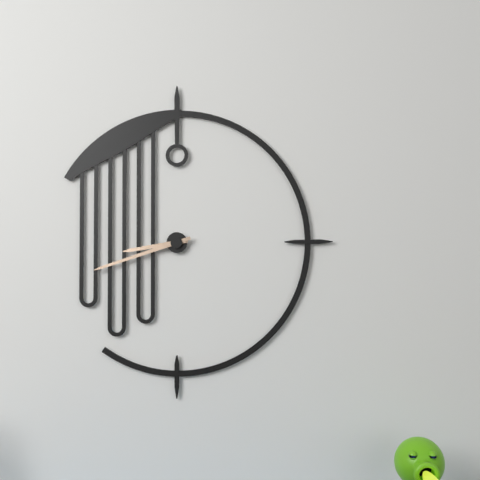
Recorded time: **8:42**
